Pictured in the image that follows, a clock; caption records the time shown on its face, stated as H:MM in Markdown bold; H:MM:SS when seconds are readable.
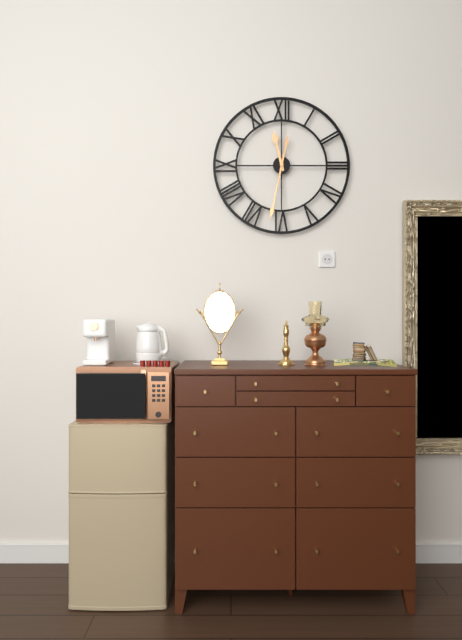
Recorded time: **11:32**
